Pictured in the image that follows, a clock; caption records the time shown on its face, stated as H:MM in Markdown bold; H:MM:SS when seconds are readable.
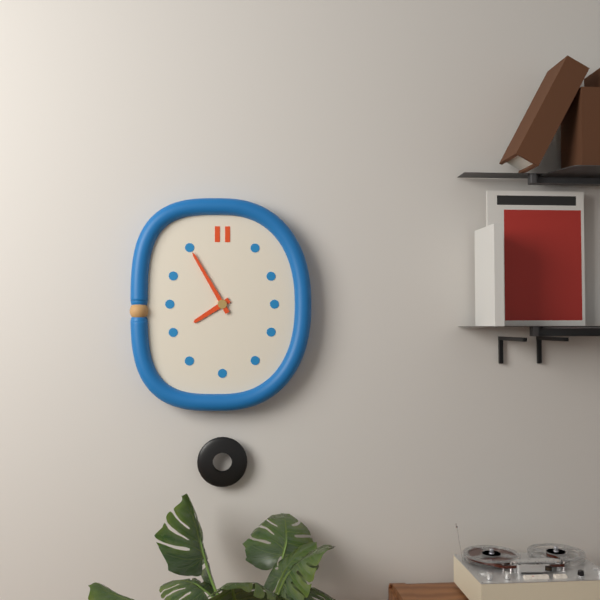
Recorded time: **7:55**
